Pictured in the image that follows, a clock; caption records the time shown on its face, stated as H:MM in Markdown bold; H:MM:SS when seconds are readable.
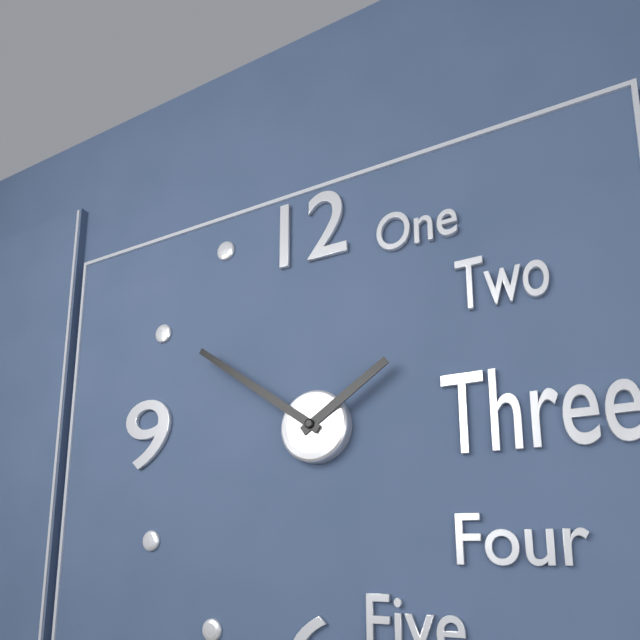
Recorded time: **1:51**
